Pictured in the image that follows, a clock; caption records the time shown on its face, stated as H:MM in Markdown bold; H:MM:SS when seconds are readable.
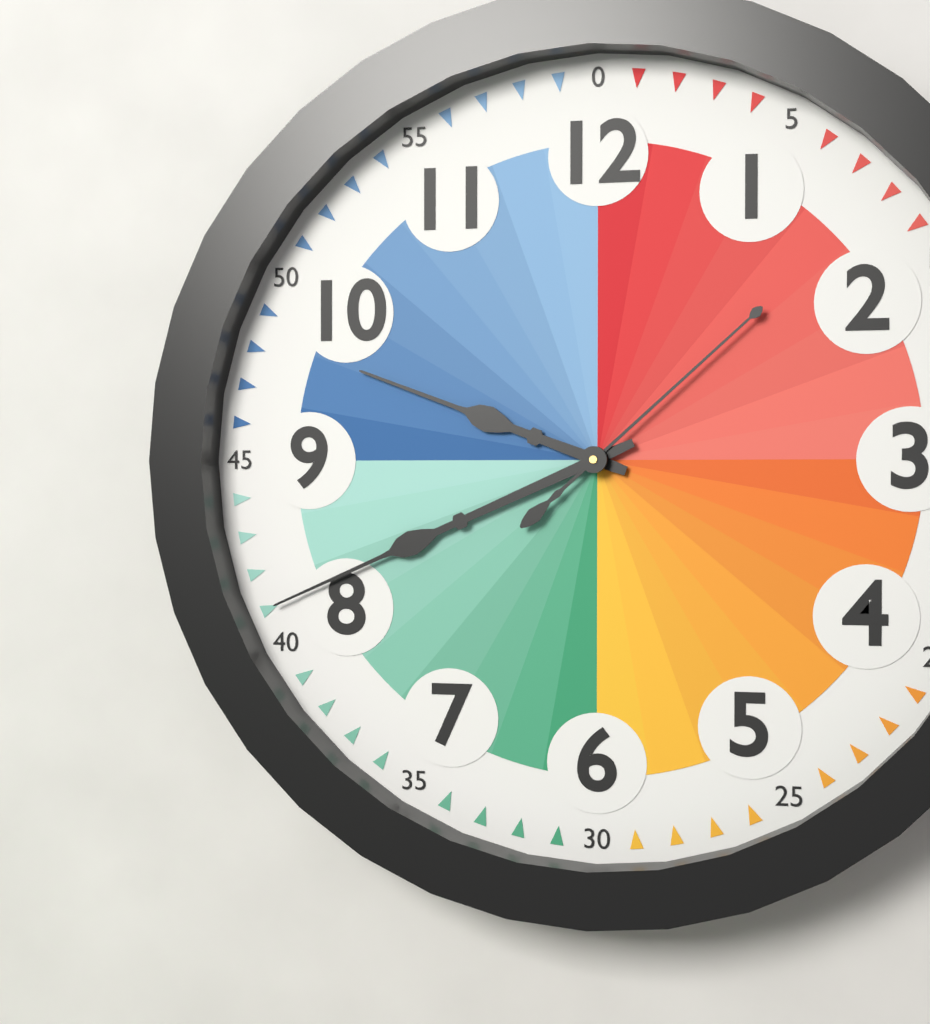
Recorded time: **9:41:08**
